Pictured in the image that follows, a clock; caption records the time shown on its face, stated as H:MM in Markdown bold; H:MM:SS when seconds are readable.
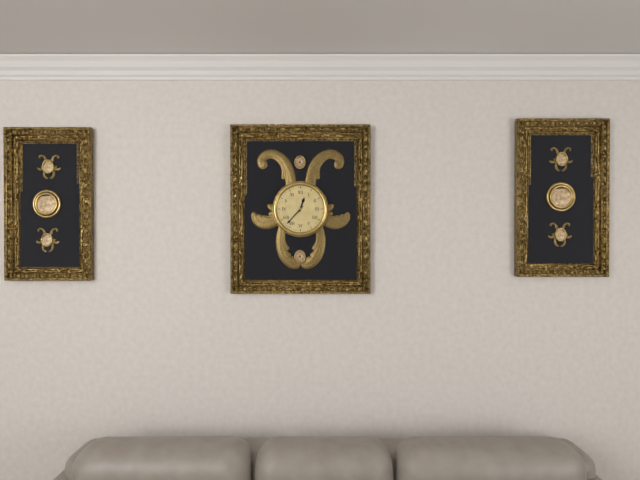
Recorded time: **12:37**
